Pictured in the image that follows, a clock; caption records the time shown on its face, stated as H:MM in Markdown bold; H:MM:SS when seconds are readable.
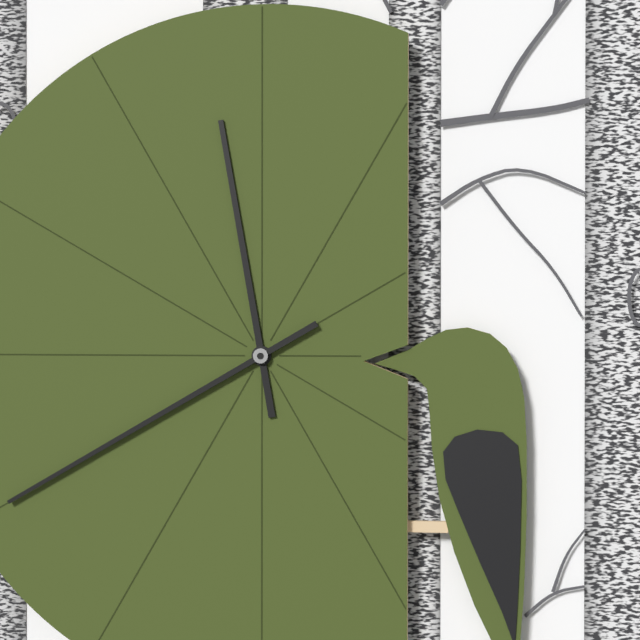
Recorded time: **11:40**
